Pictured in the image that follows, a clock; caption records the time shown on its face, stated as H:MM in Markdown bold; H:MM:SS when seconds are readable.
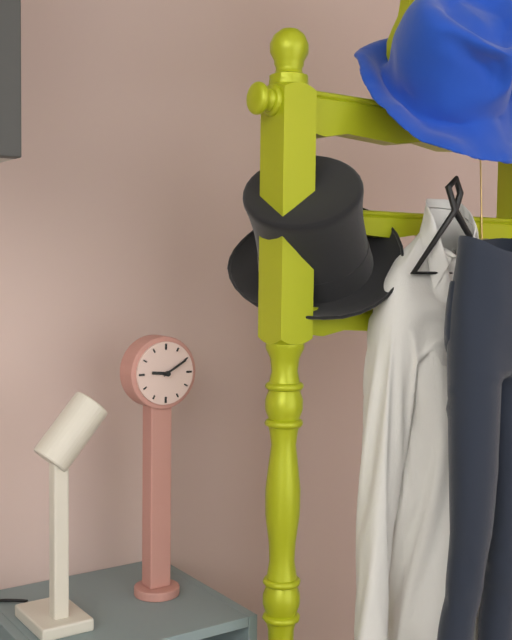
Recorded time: **9:10**
